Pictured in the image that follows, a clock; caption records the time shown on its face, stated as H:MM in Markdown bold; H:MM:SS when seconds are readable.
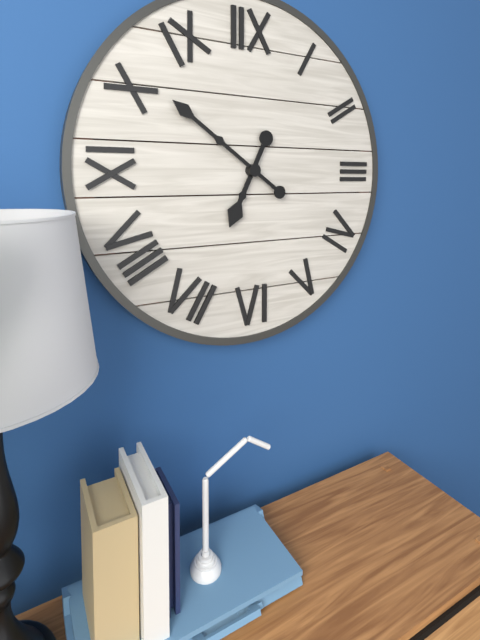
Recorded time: **6:51**
